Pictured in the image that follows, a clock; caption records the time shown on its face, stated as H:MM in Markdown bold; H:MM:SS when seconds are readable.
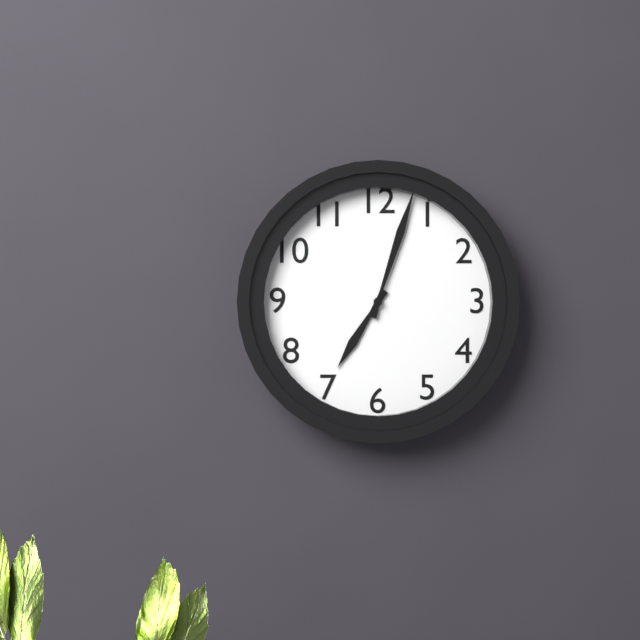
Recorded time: **7:03**
